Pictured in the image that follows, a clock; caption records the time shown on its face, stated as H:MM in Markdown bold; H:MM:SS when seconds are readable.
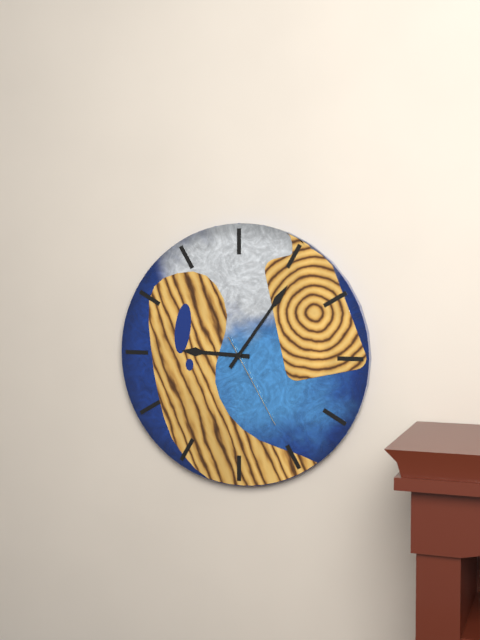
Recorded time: **9:06:25**
